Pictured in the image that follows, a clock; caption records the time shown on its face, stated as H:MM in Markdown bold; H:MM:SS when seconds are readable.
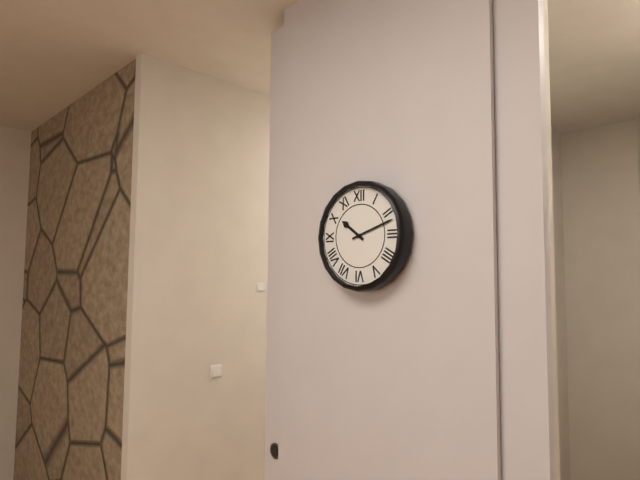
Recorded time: **10:12**
